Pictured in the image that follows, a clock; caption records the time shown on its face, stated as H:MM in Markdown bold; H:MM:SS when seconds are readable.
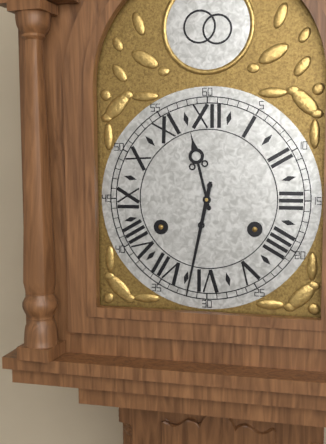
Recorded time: **11:32**
